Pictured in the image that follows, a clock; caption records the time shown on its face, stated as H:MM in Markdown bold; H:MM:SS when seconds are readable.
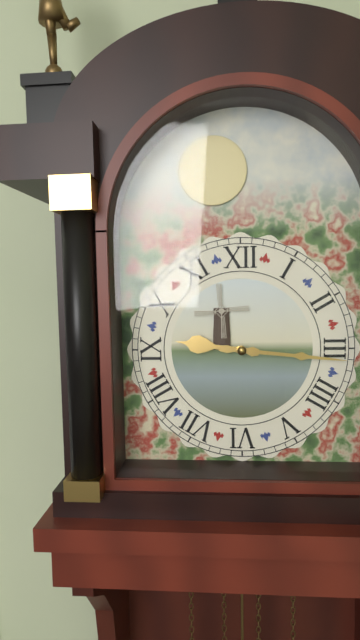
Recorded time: **9:16**
